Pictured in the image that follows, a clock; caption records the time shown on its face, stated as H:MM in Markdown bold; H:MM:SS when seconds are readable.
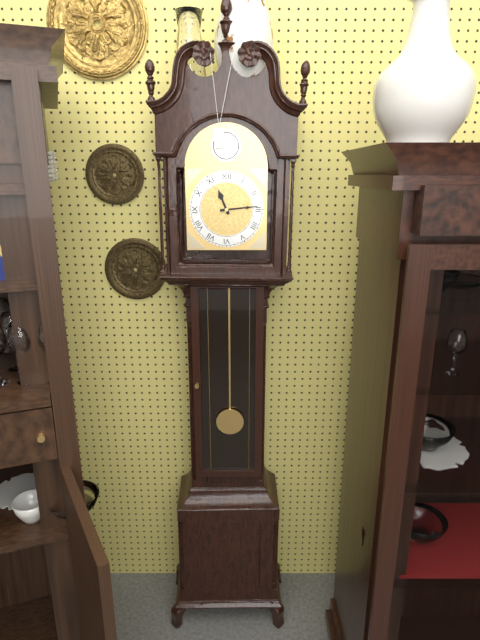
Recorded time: **11:14**
